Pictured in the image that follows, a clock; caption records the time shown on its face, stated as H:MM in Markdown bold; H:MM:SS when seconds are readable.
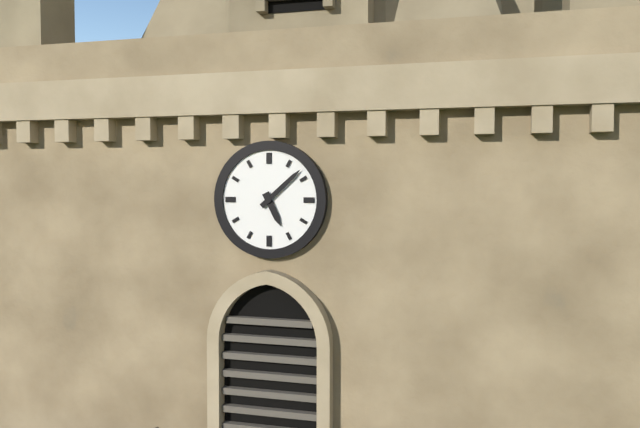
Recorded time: **5:08**
